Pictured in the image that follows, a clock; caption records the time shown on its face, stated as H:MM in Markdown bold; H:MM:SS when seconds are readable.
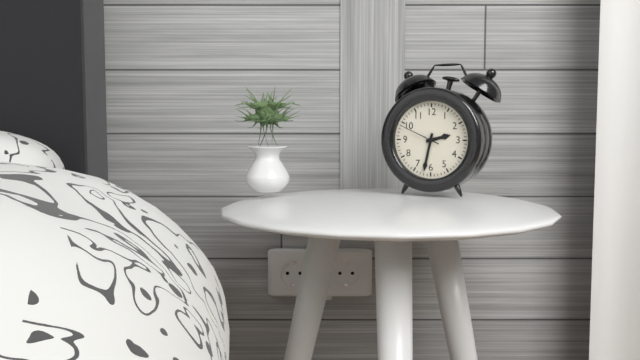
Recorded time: **2:32**
